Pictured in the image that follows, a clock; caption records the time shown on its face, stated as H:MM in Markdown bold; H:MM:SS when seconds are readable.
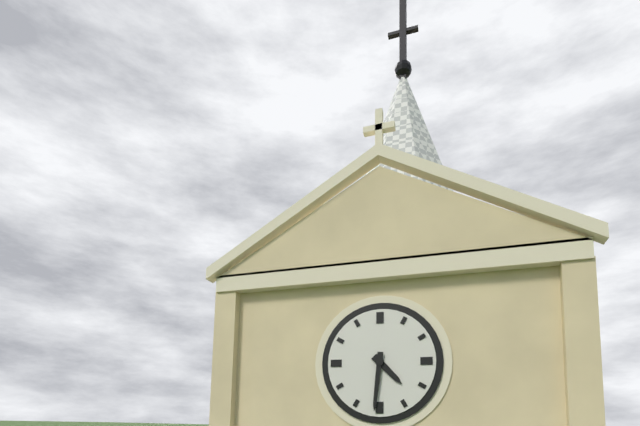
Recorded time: **4:31**
